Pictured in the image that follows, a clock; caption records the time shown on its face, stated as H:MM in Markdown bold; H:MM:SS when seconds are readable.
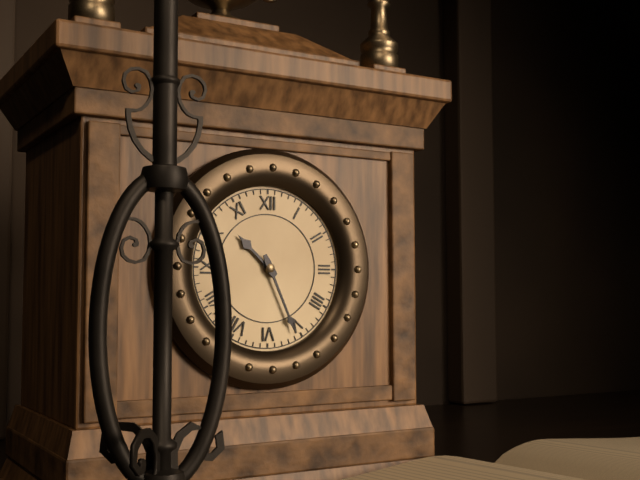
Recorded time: **10:26**
